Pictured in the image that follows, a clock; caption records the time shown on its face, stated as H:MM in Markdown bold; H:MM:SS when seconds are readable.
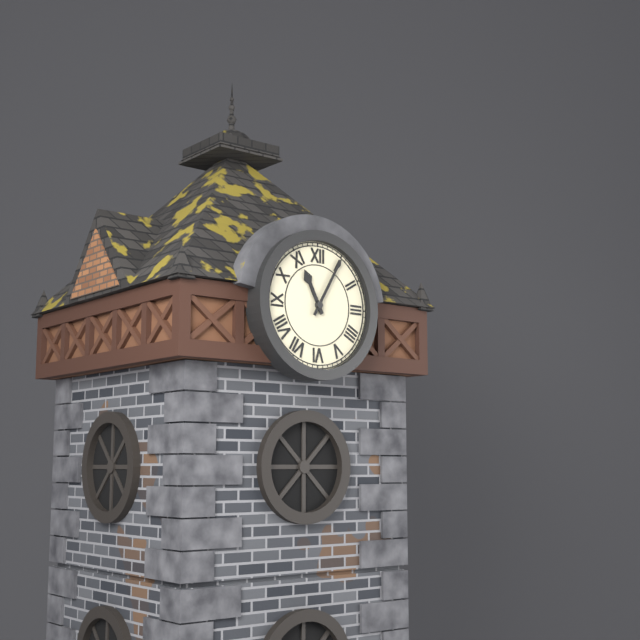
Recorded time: **11:05**
